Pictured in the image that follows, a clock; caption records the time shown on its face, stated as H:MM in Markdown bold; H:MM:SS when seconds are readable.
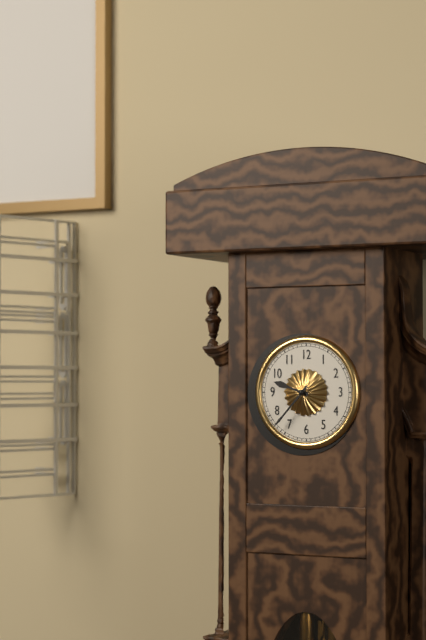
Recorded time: **9:37**
